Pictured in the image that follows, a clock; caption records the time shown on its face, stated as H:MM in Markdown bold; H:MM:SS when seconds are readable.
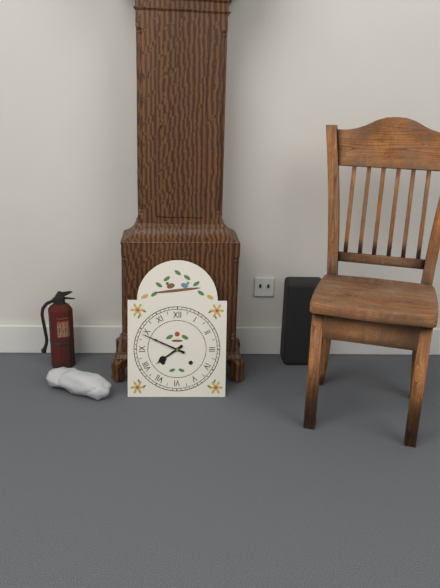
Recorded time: **7:49**
